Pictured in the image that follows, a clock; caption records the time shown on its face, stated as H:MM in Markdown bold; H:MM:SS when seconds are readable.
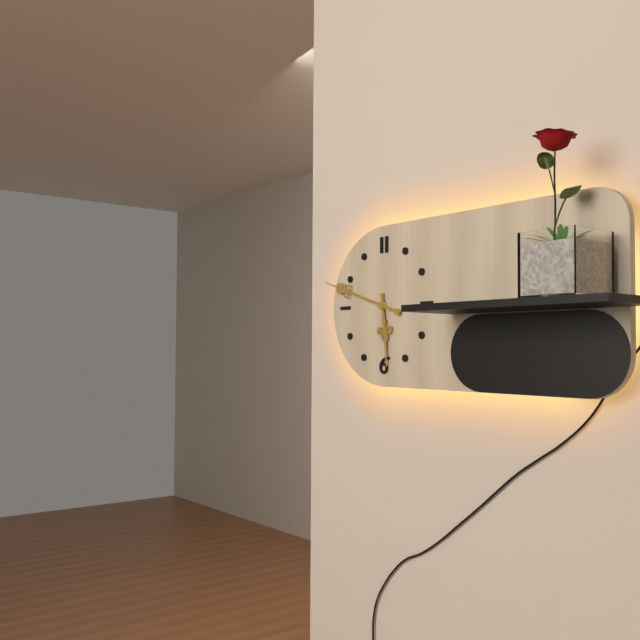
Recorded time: **5:48**
